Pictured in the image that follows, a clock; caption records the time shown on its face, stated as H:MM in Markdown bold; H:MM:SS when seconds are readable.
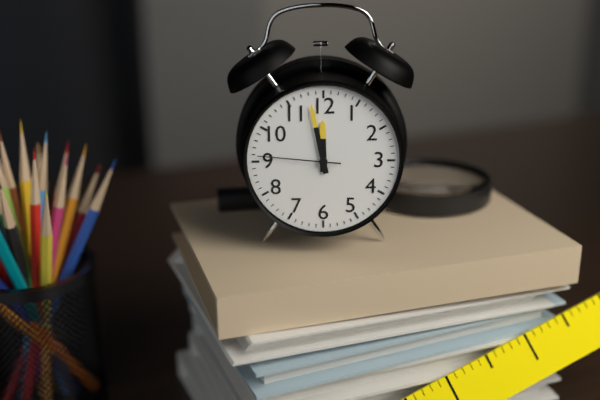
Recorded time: **11:58:46**
